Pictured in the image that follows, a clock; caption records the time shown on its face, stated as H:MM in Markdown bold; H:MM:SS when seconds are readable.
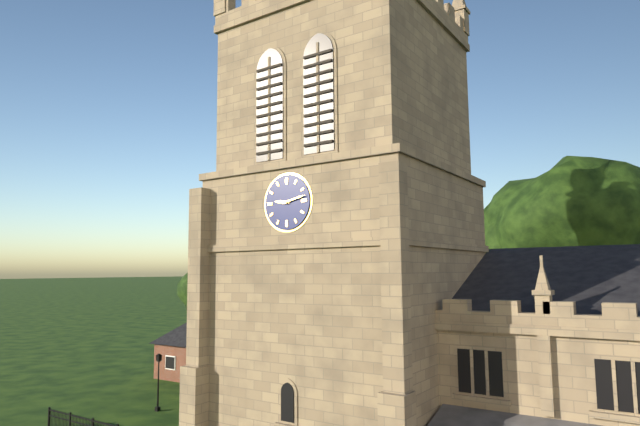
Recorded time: **9:13**
